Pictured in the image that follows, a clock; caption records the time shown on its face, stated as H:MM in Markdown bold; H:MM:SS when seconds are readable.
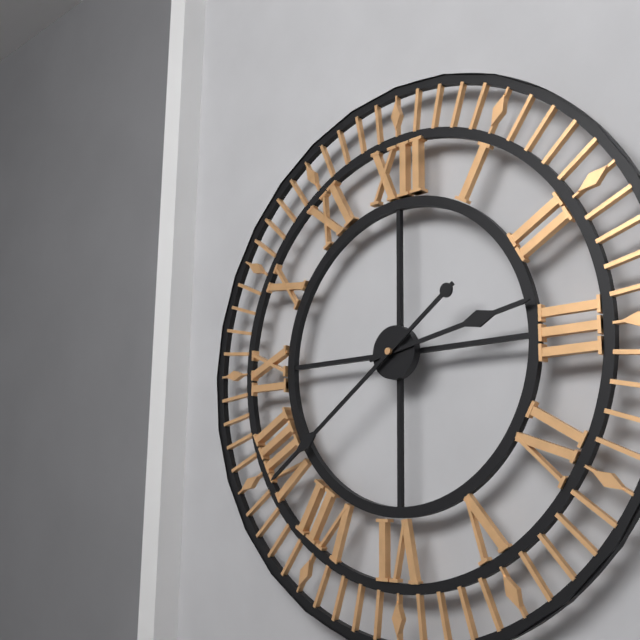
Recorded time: **2:39**
